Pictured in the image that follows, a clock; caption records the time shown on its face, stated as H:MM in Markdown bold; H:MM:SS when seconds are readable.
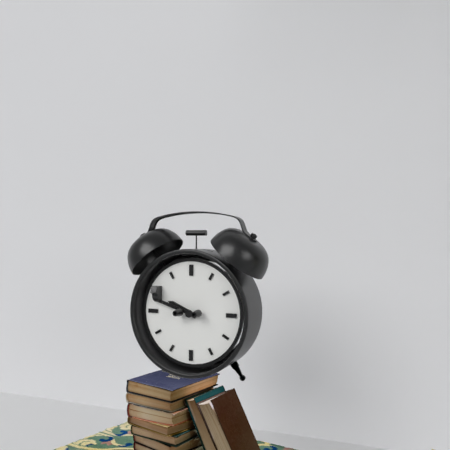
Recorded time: **9:48**
